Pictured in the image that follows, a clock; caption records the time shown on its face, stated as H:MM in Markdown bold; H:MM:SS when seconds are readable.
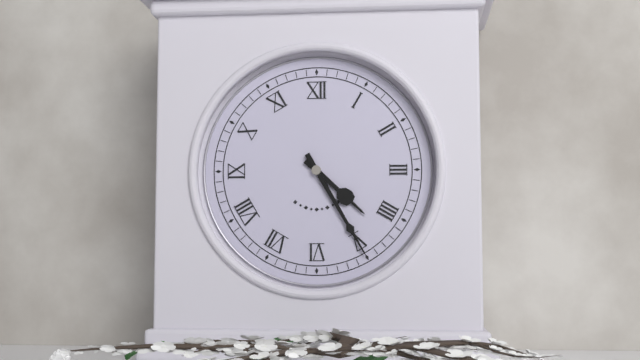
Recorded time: **4:25**
